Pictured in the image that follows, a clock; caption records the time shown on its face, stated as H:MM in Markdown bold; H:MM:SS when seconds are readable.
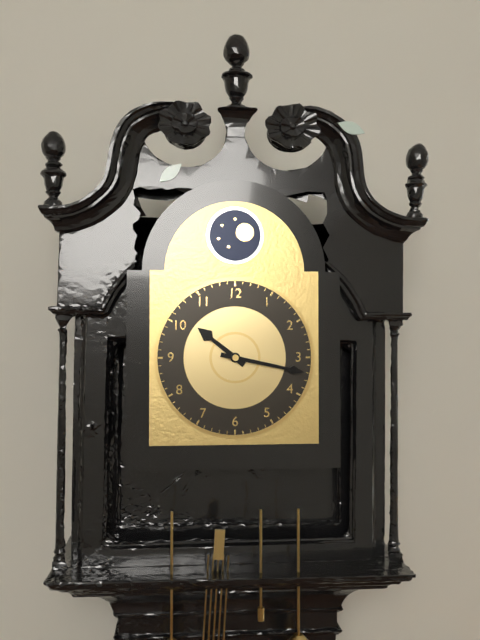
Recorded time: **10:17**
